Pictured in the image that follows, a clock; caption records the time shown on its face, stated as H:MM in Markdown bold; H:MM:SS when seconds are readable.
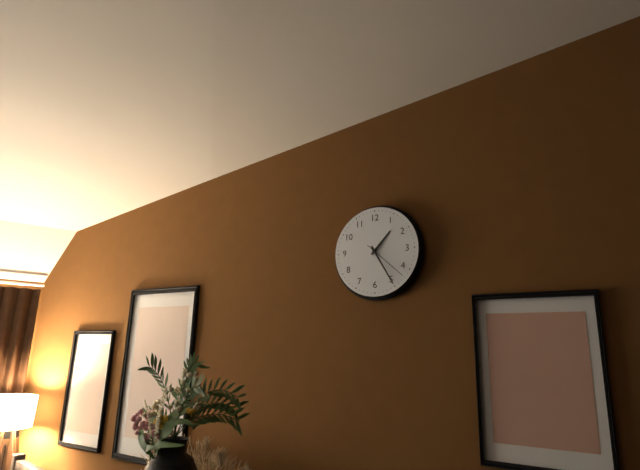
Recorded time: **1:25**
